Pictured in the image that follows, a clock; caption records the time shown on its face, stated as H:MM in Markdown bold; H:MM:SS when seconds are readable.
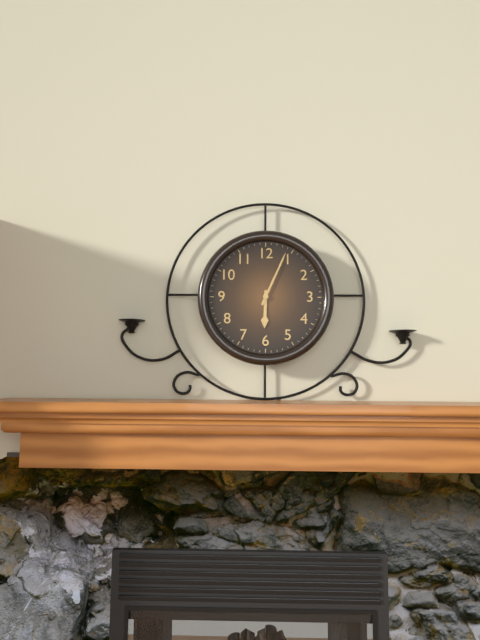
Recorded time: **6:04**
